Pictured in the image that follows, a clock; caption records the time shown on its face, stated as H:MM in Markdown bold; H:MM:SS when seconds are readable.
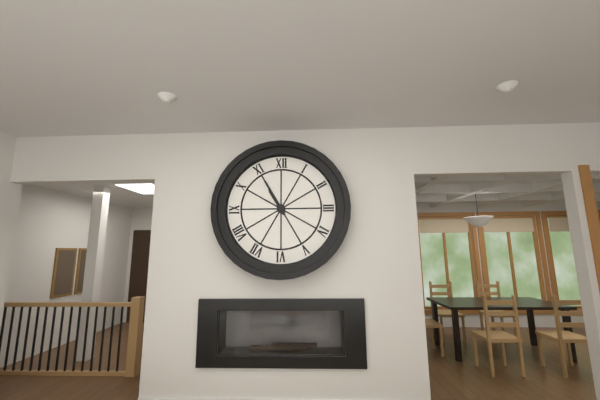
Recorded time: **10:55**
